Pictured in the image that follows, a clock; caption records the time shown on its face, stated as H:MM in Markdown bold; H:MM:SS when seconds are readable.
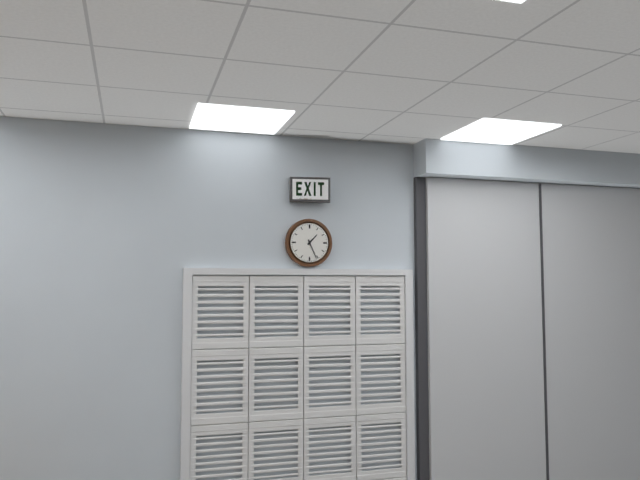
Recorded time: **1:26**
